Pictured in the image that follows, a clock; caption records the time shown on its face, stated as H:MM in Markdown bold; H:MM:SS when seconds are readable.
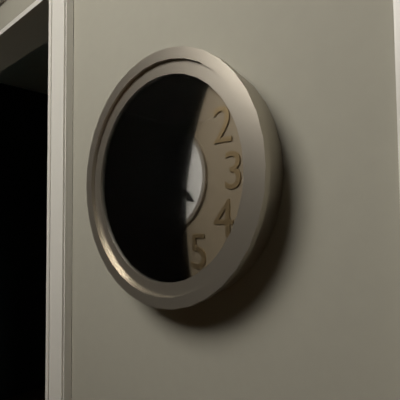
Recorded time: **4:04**
